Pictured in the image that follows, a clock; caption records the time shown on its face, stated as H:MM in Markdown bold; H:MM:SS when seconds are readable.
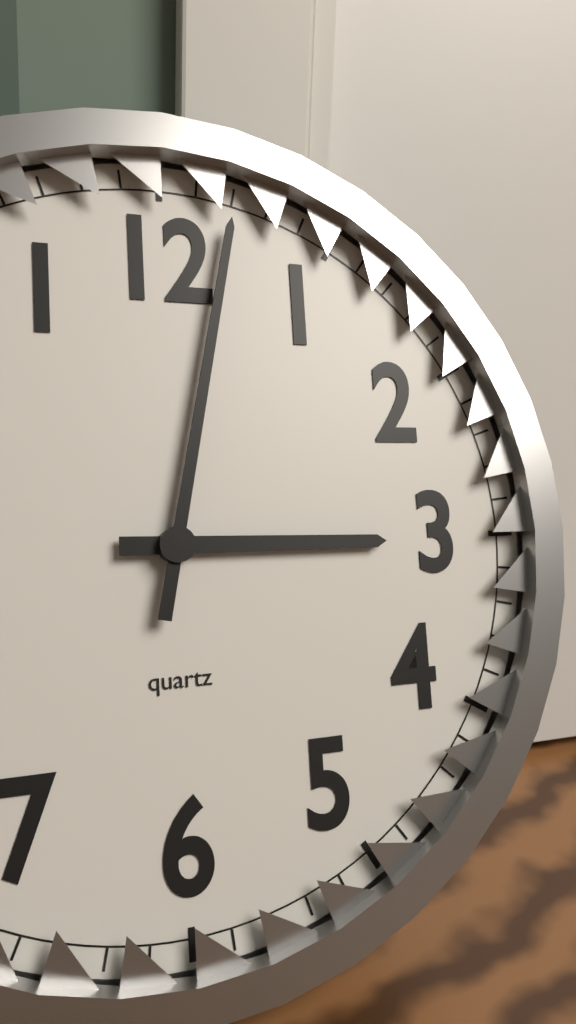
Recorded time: **3:02**
